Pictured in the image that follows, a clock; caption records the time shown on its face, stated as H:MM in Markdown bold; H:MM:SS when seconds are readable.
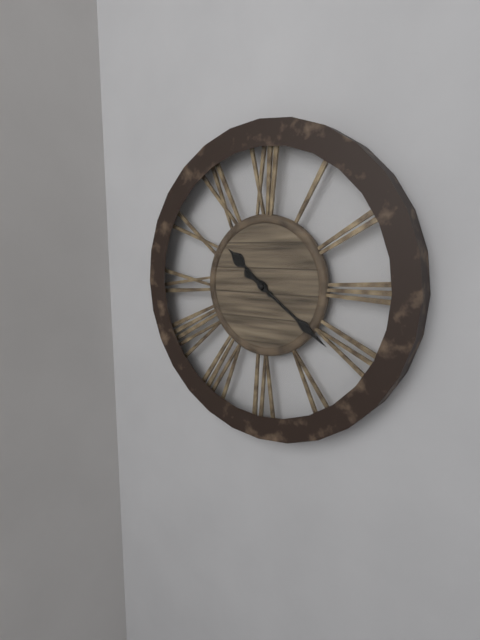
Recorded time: **10:21**
